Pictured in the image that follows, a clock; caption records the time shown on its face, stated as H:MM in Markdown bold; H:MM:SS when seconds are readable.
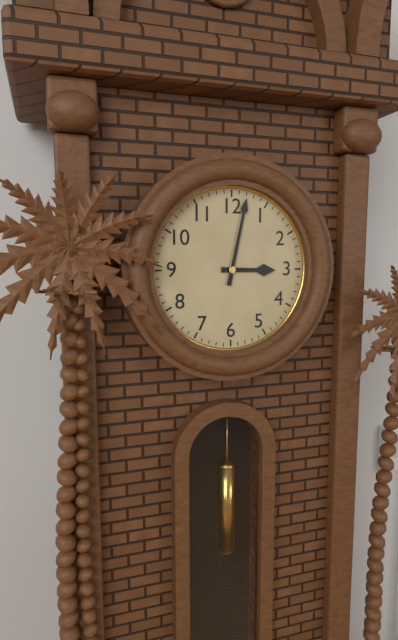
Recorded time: **3:02**
